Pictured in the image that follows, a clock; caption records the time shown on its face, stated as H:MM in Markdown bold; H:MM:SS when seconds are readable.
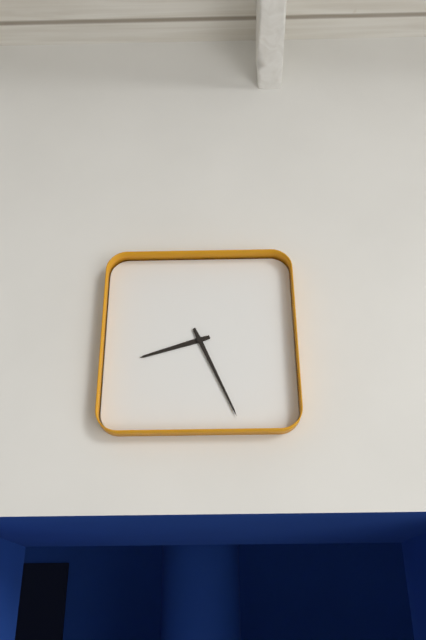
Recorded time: **8:26**
